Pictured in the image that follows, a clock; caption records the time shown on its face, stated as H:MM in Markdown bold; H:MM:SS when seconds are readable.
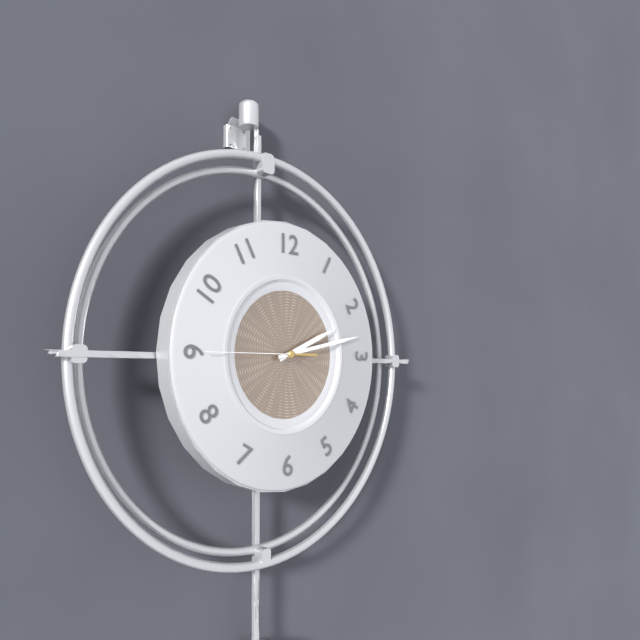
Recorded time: **2:13:45**
